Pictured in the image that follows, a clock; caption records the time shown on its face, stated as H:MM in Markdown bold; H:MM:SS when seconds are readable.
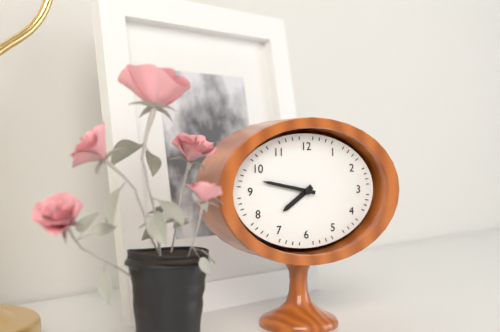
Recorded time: **7:47**
